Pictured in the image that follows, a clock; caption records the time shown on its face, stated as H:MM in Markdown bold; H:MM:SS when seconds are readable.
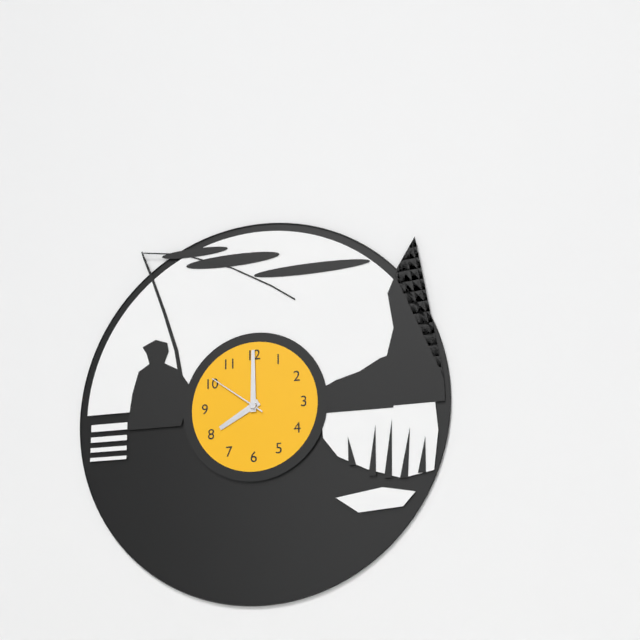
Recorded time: **8:00:51**
